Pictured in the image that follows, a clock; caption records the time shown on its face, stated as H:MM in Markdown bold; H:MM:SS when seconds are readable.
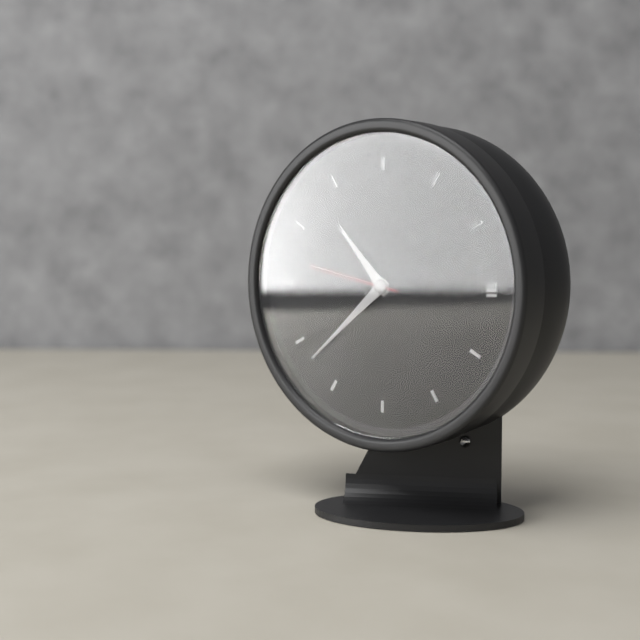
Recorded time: **10:38:47**
